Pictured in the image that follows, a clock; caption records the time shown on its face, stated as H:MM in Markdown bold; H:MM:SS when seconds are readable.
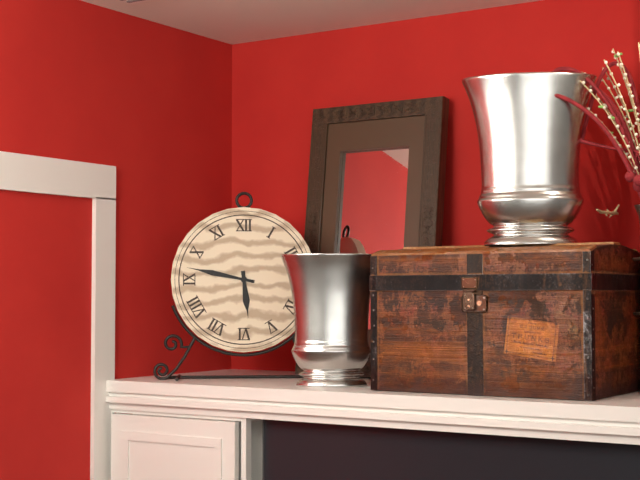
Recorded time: **5:47**
